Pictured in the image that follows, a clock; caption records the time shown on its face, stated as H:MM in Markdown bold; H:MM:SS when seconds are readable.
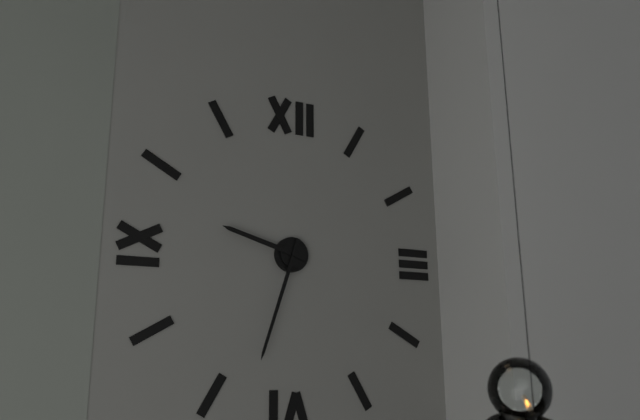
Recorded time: **9:33**
